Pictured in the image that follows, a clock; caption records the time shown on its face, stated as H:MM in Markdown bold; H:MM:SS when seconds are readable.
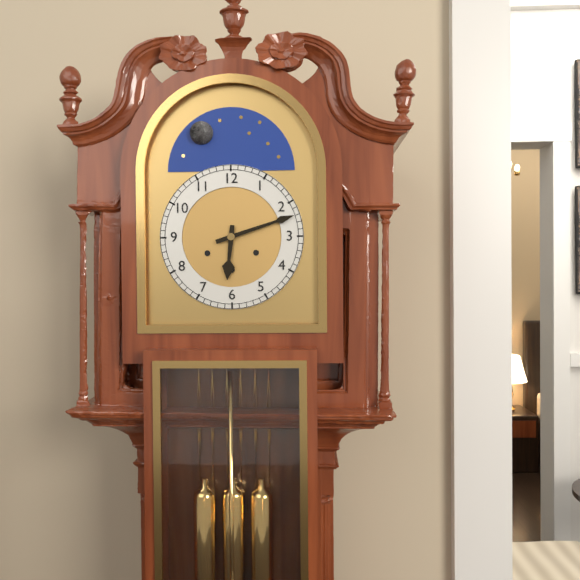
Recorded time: **6:12**
